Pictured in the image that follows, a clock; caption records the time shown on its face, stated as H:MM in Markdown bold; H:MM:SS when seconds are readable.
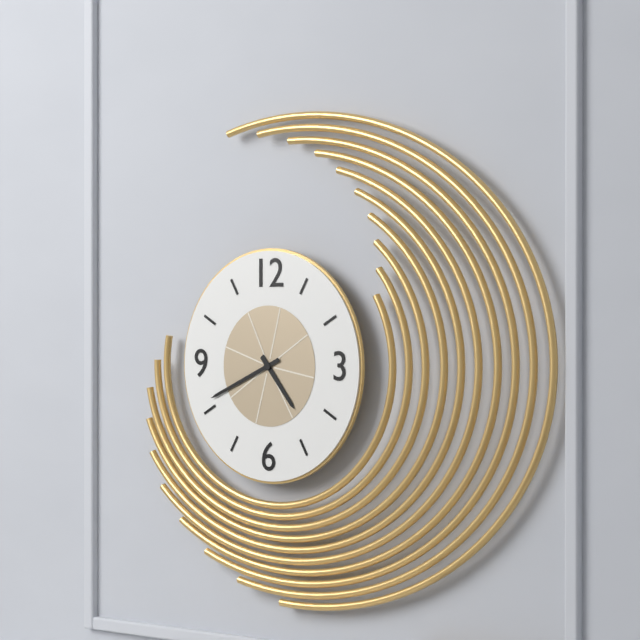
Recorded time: **4:41**
